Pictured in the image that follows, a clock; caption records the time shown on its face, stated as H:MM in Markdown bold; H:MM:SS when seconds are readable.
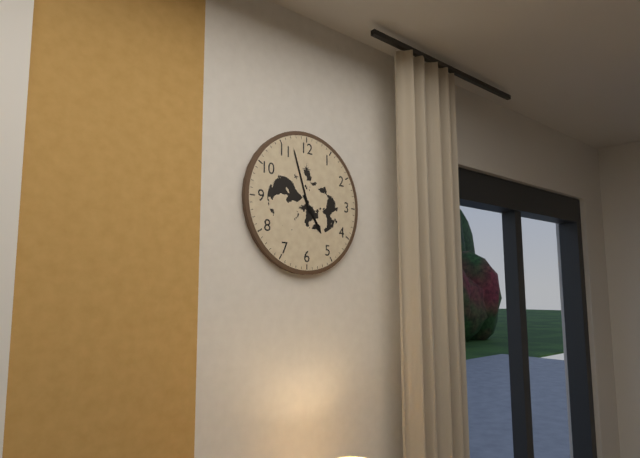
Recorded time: **4:57**
